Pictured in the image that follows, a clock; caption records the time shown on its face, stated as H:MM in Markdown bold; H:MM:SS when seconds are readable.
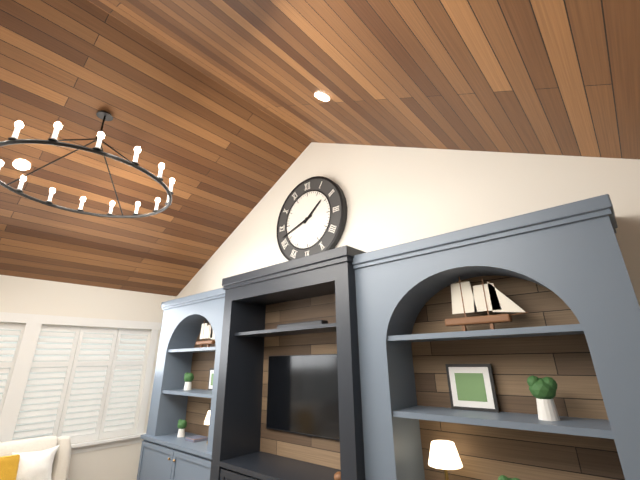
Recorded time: **1:42**
